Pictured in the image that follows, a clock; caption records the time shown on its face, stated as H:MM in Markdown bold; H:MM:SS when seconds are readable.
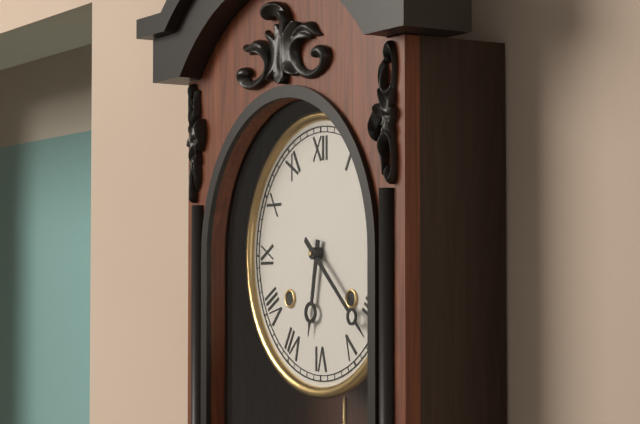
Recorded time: **6:22**
